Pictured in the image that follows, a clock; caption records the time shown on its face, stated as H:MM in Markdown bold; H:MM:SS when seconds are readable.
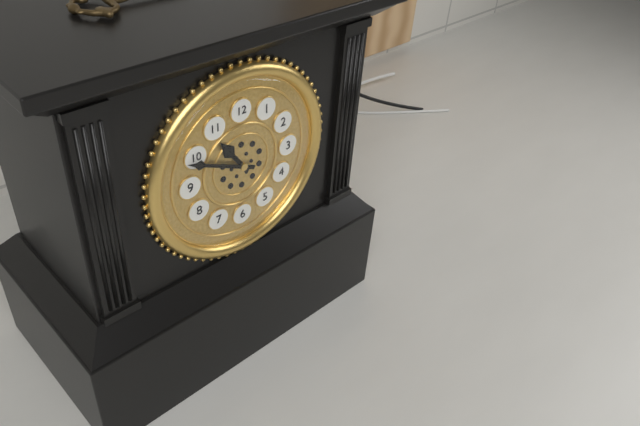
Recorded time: **10:49**
